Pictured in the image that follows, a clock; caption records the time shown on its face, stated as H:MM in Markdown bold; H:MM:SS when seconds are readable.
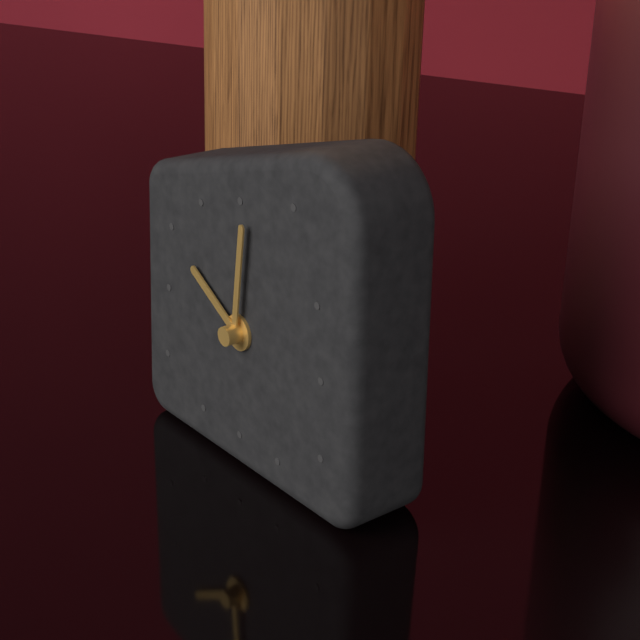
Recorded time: **10:01**
